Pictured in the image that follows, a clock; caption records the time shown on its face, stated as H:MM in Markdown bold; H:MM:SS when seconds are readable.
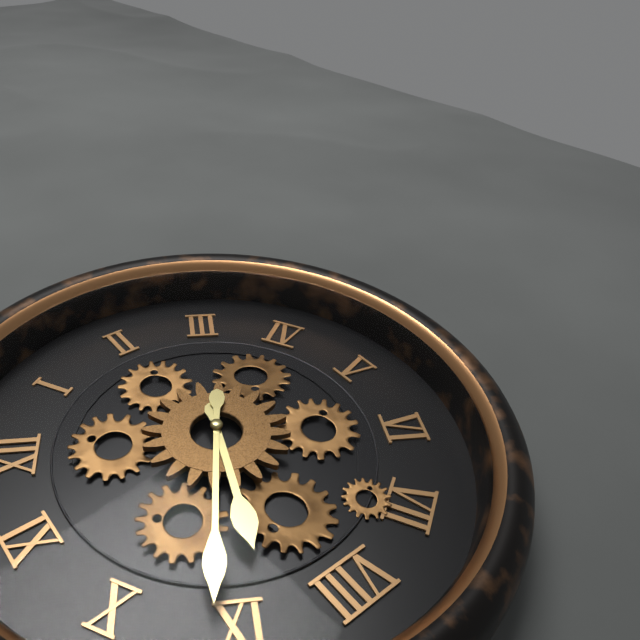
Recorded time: **8:46**
